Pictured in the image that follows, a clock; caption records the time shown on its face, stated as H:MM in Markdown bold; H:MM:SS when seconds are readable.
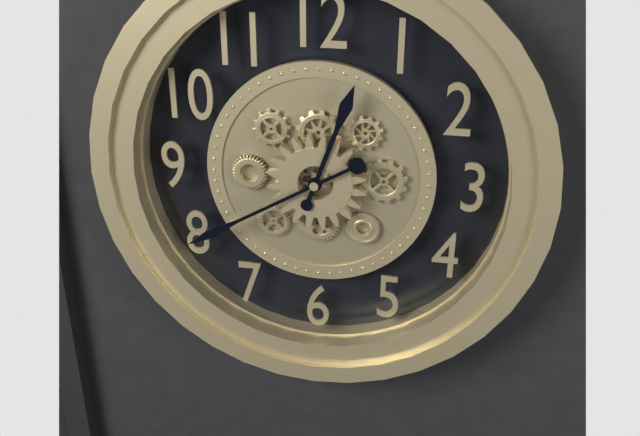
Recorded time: **12:40**
